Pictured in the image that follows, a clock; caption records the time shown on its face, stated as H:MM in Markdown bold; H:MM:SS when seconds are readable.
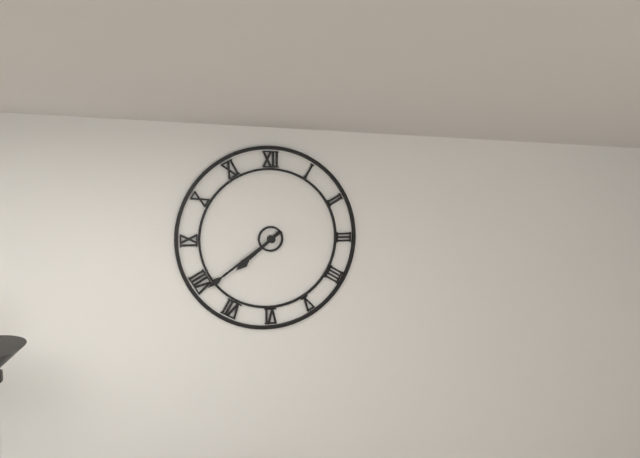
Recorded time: **7:39**
